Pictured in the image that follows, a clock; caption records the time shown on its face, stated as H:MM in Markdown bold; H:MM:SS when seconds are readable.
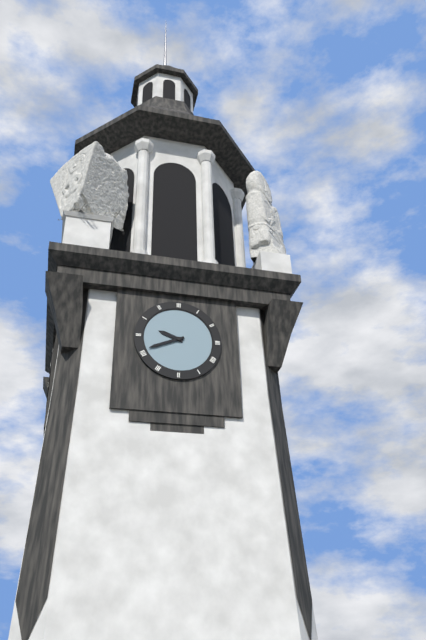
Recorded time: **9:41**
